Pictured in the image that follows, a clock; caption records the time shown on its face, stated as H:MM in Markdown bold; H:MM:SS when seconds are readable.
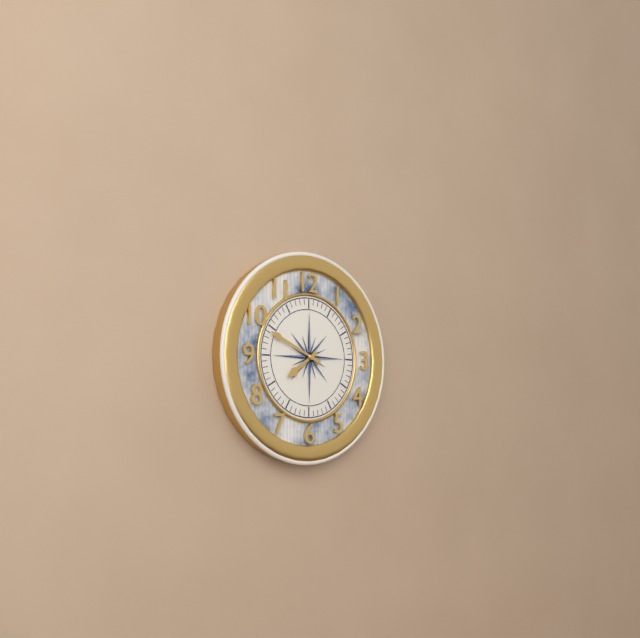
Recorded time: **7:49**
